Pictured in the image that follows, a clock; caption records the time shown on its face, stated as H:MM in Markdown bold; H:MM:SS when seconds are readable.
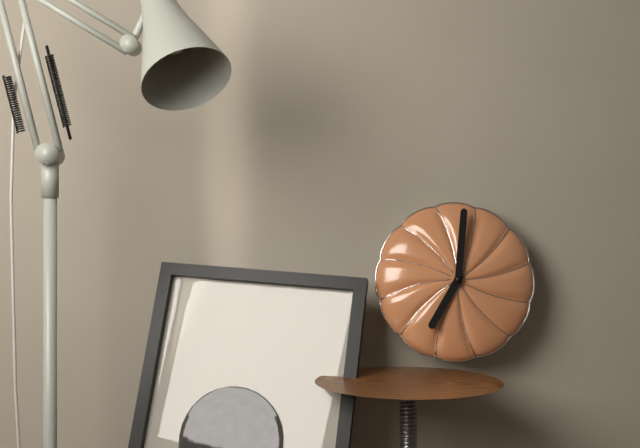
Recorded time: **7:01**
